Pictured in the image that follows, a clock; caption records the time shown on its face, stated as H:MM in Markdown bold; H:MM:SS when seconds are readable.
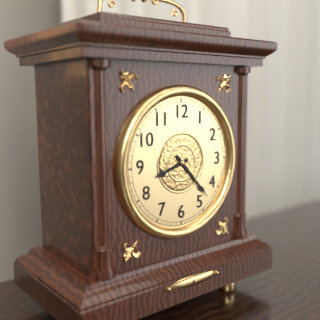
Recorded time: **8:23**
